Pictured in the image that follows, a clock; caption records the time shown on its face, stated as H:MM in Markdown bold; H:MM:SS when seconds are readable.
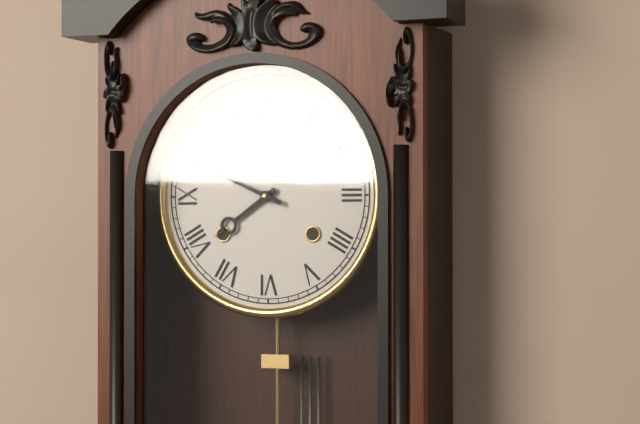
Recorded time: **7:49**
